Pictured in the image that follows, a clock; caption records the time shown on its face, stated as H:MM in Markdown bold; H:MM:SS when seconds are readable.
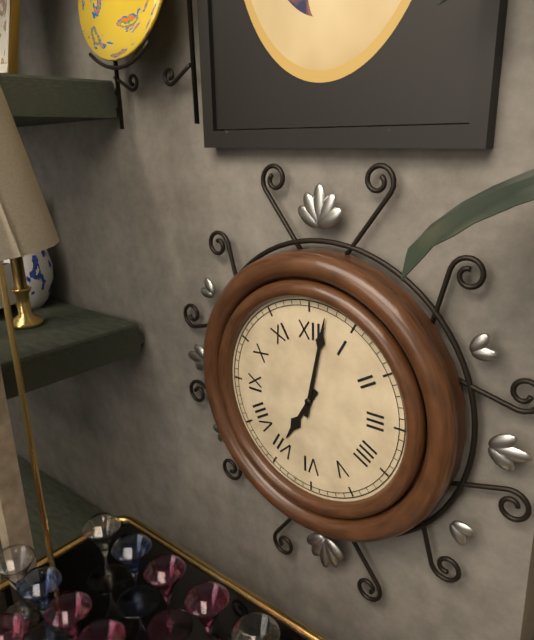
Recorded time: **7:02**
